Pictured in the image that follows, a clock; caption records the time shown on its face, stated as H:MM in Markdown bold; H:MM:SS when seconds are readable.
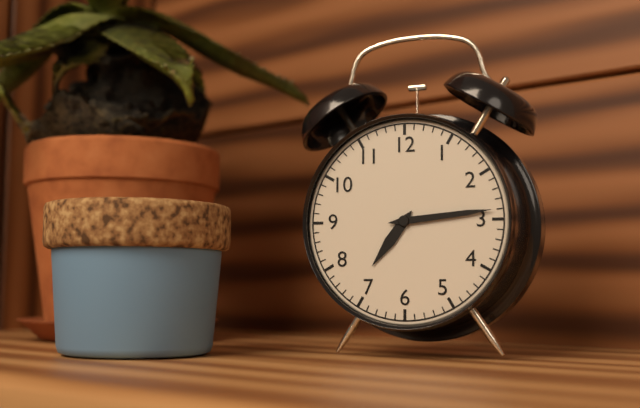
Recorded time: **7:14**
